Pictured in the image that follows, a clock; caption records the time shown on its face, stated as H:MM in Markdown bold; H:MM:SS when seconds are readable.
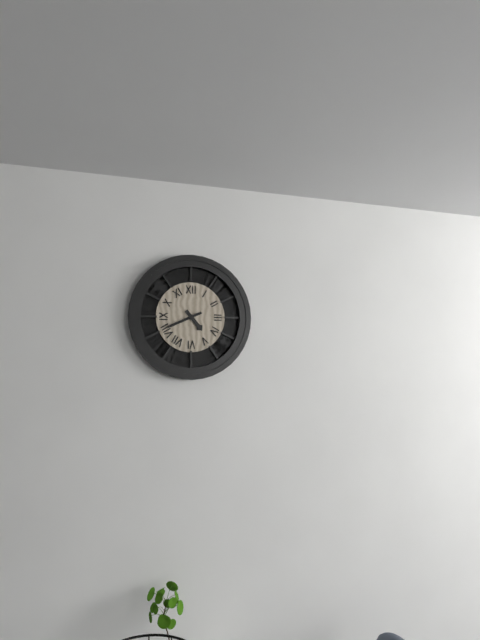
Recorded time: **4:41**
